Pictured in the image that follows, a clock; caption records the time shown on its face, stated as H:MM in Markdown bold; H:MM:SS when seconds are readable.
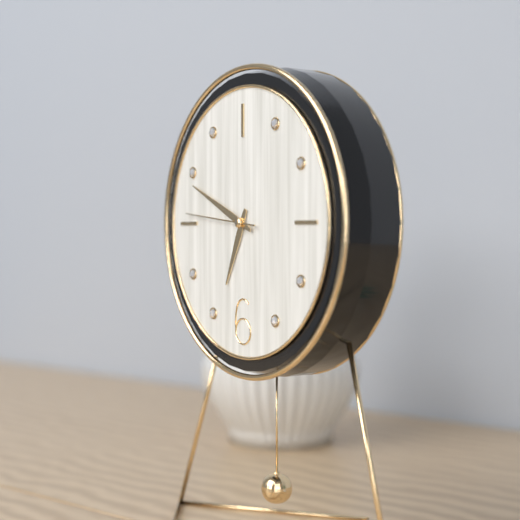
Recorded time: **6:49:46**
